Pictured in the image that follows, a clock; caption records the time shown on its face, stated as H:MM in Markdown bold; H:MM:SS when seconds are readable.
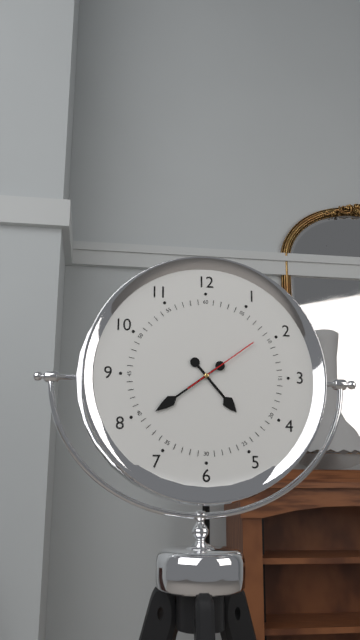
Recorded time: **4:39:09**
